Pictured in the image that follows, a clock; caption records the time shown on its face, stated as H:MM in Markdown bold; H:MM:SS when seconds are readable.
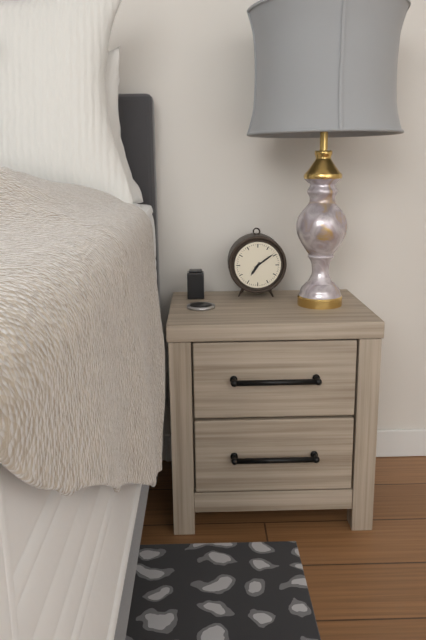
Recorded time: **7:09**
